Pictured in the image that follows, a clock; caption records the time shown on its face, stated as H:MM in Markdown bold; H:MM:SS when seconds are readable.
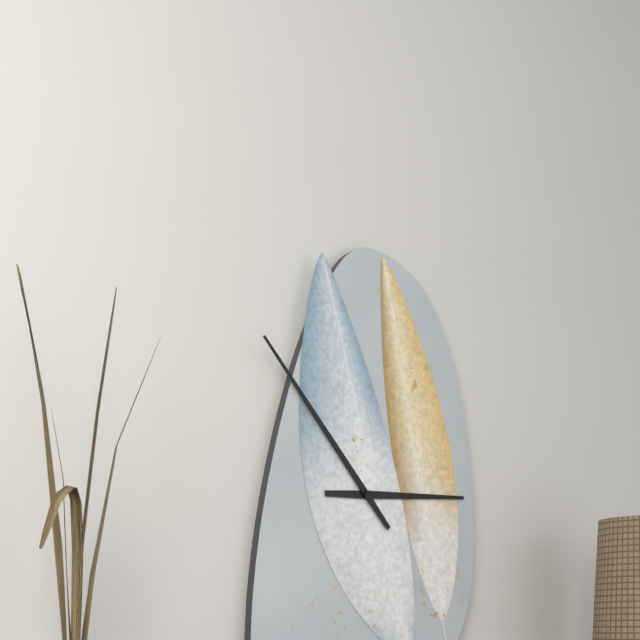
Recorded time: **2:53**
